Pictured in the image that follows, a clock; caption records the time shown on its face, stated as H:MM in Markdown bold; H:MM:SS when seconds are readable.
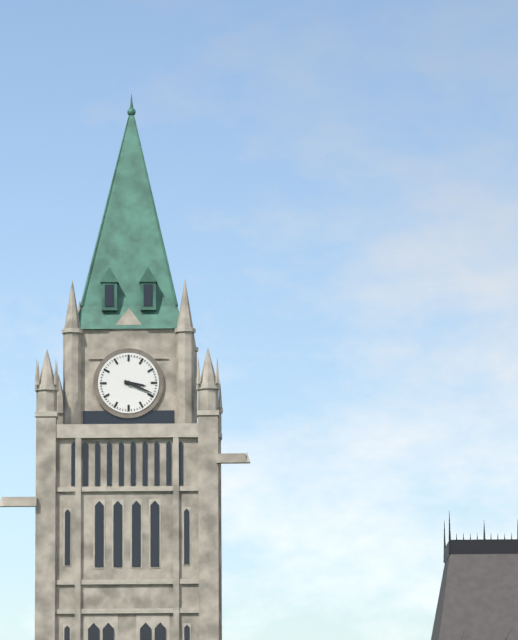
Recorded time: **3:19**
